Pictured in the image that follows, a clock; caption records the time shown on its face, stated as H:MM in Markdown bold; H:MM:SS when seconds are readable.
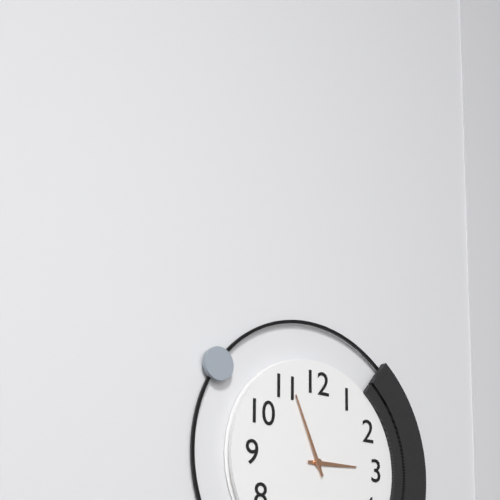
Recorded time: **2:56**
